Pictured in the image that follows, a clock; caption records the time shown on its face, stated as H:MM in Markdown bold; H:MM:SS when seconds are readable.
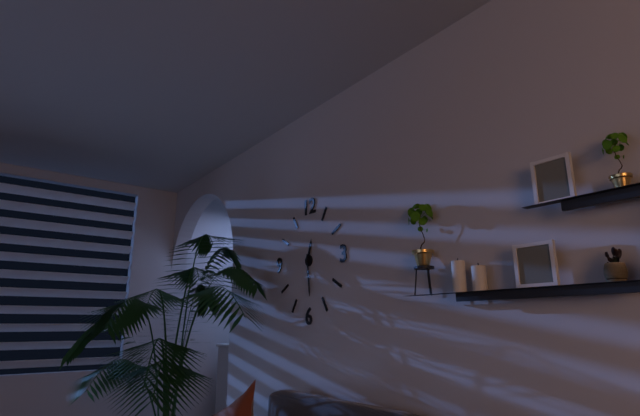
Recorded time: **12:29**
